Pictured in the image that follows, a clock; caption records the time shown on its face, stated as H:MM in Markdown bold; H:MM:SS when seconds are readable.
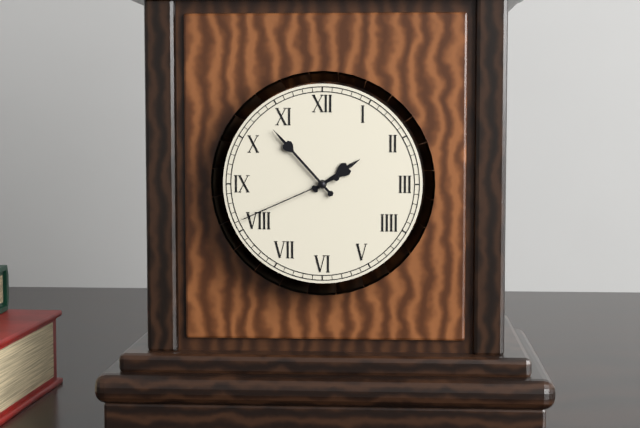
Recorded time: **1:53:41**
